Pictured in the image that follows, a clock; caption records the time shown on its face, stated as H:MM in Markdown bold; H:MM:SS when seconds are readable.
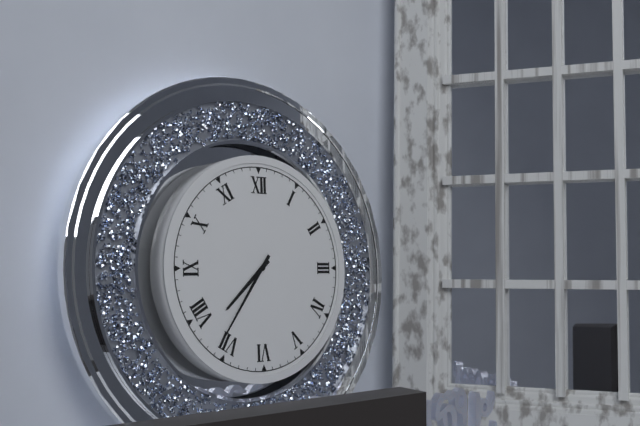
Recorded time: **7:36**
